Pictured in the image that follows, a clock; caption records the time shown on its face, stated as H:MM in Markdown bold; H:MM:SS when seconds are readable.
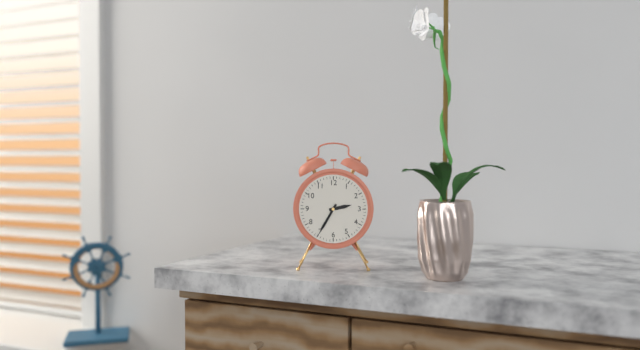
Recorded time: **2:35**
